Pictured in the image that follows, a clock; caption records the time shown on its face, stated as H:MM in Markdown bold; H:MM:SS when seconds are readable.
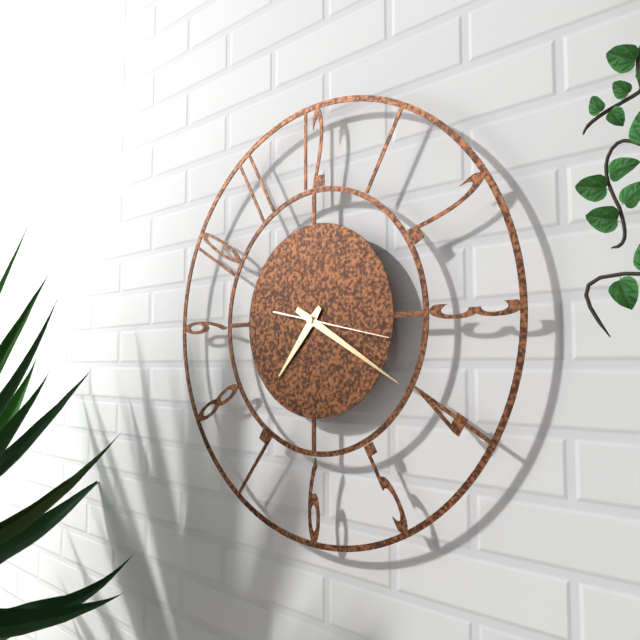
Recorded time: **7:20:17**
